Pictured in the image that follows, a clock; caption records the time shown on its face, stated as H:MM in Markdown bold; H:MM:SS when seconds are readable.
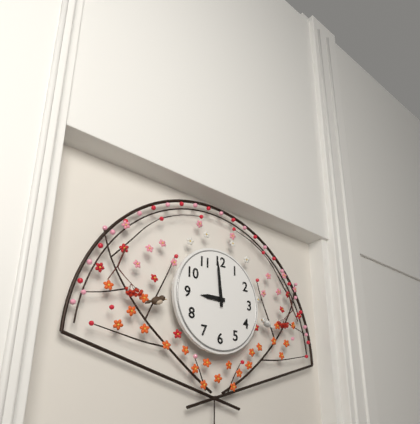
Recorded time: **8:59**
